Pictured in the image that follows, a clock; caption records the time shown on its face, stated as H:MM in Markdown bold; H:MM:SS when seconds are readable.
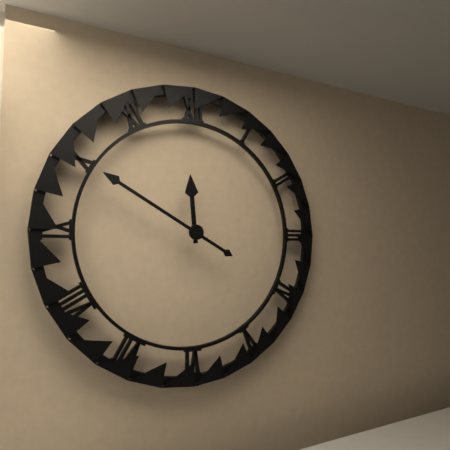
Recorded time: **11:50**
